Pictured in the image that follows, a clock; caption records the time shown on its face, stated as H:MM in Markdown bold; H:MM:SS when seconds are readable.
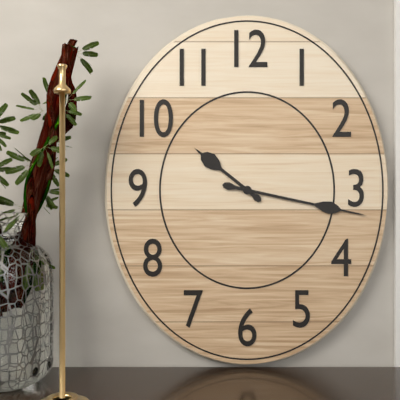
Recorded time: **10:17**
